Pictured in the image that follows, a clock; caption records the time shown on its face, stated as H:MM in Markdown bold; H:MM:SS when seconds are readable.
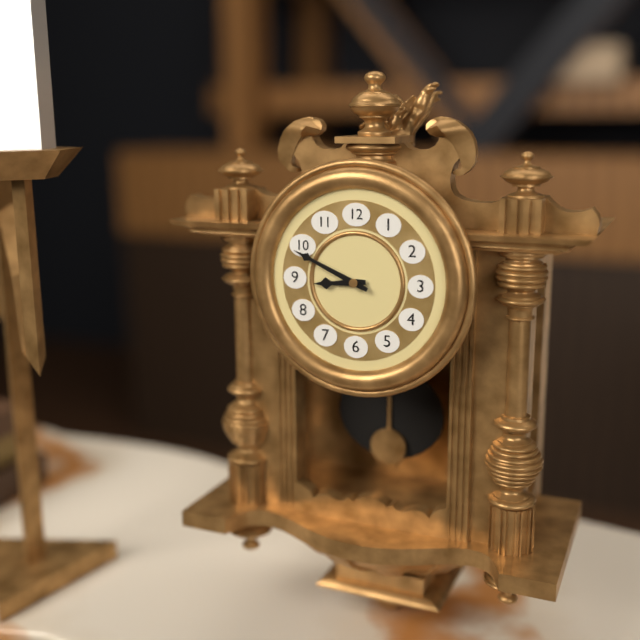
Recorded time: **8:49**
